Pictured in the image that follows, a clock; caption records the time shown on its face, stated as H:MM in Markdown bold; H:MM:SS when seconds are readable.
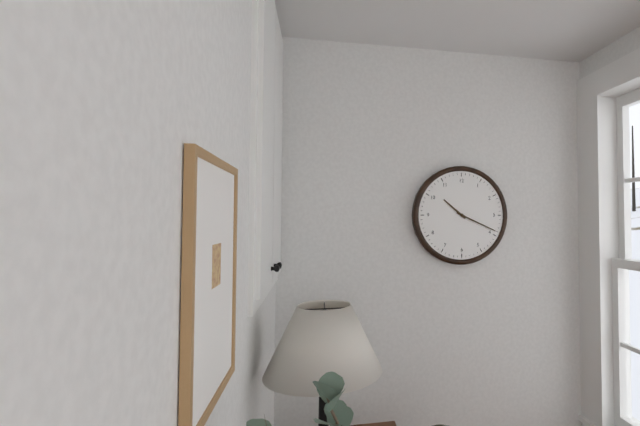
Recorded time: **10:19**
